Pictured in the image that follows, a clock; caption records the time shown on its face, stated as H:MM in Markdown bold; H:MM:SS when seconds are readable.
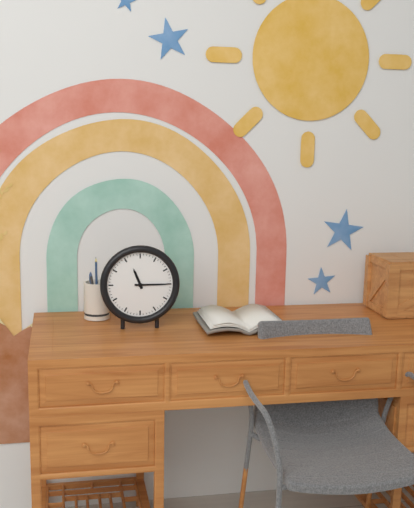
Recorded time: **11:15**
